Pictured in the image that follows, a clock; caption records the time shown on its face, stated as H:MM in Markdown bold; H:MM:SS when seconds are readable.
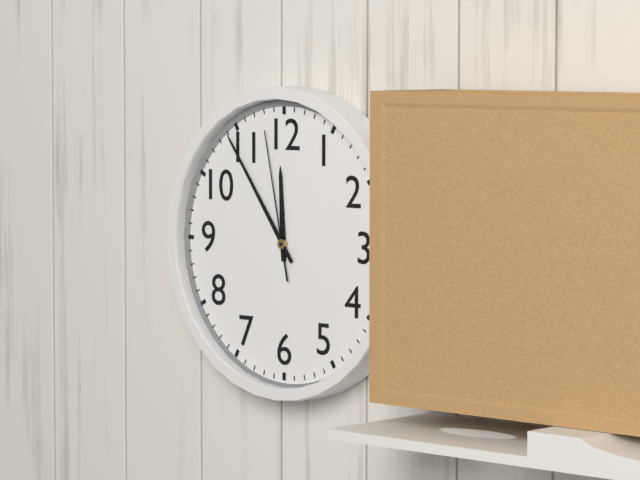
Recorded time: **11:54:58**
